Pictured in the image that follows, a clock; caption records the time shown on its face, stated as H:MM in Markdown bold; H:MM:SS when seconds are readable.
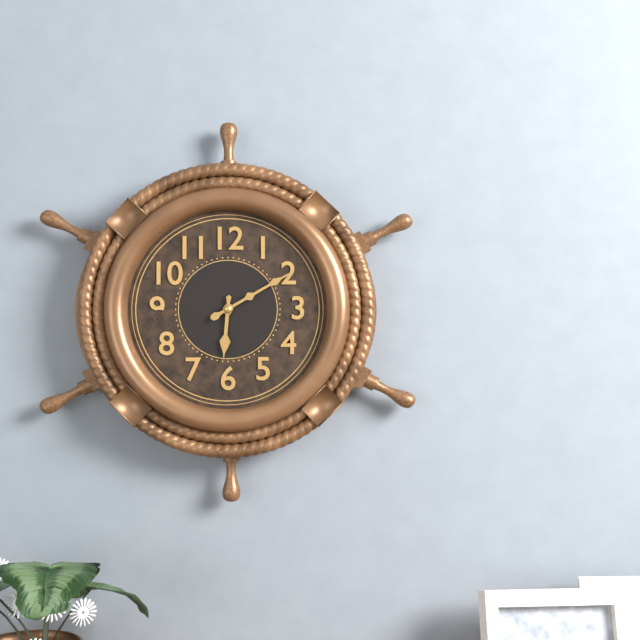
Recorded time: **6:10**
